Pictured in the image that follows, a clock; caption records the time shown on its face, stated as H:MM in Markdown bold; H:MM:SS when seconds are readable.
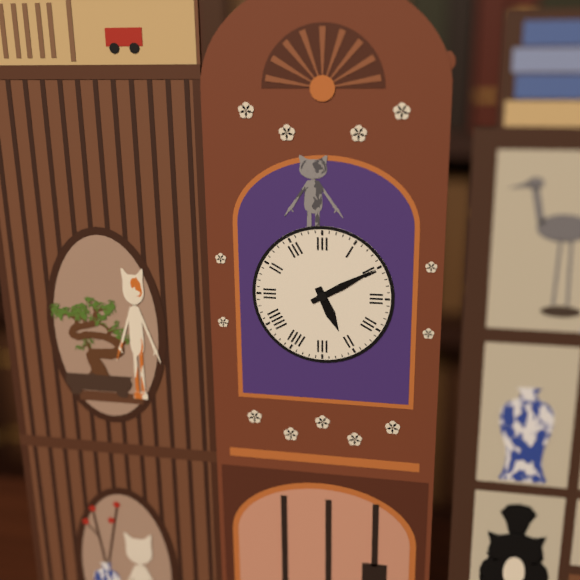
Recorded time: **5:10**
